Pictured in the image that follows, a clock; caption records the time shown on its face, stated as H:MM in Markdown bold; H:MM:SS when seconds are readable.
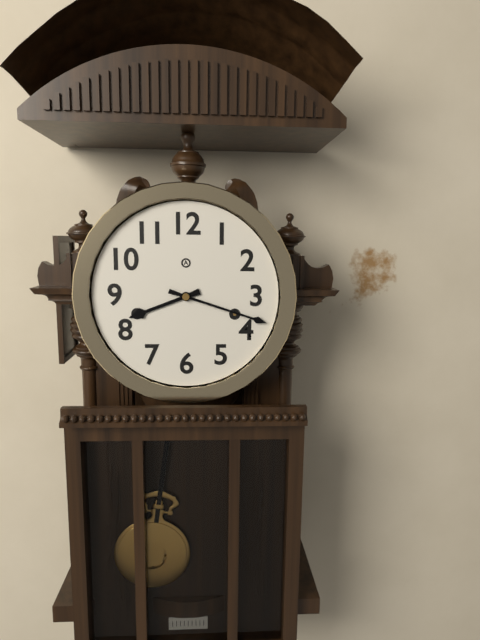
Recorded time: **8:18**
